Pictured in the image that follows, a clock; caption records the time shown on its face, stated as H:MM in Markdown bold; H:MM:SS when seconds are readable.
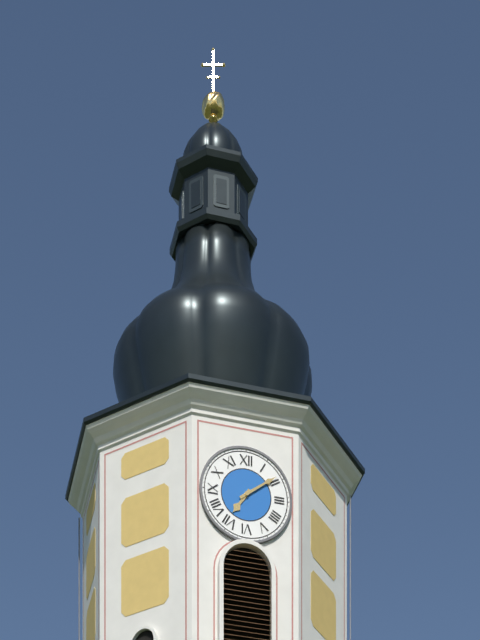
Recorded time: **7:09**
